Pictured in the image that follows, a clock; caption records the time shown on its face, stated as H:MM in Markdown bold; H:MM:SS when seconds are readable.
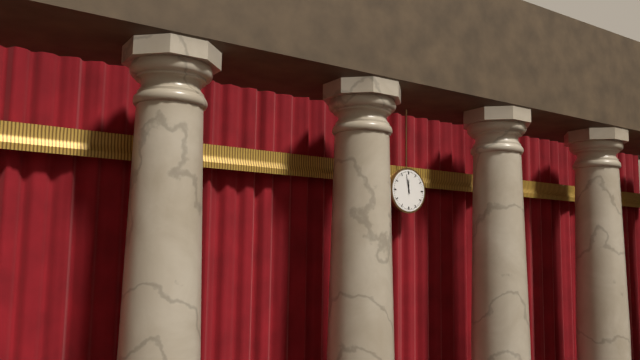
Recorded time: **11:58**
